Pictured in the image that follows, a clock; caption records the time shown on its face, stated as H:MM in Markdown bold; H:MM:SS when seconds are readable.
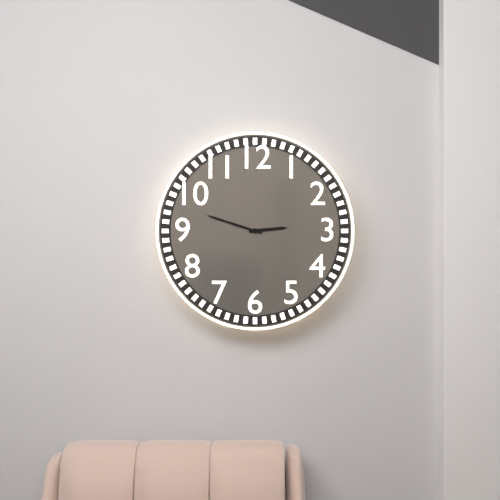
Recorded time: **2:48**
